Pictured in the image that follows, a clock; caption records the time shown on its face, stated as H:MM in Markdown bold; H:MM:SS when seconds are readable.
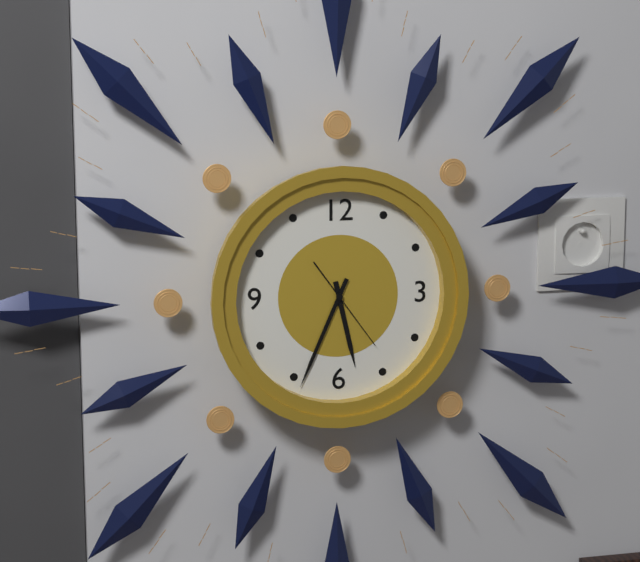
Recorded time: **5:34:24**
